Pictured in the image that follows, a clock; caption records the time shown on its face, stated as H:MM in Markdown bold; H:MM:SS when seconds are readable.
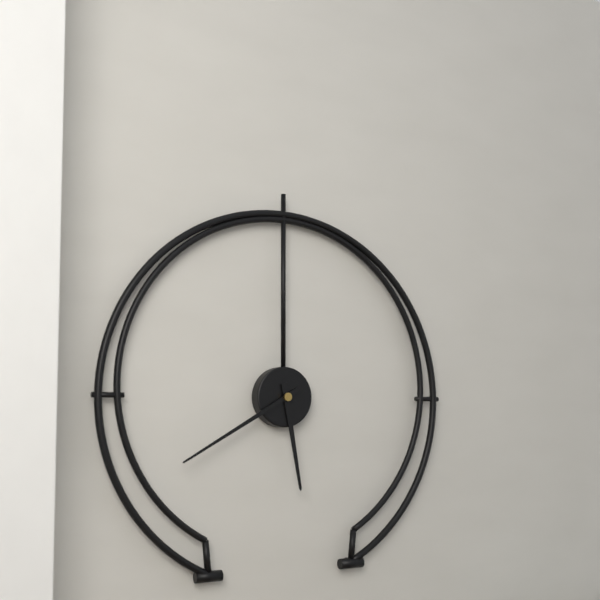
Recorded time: **5:40**
